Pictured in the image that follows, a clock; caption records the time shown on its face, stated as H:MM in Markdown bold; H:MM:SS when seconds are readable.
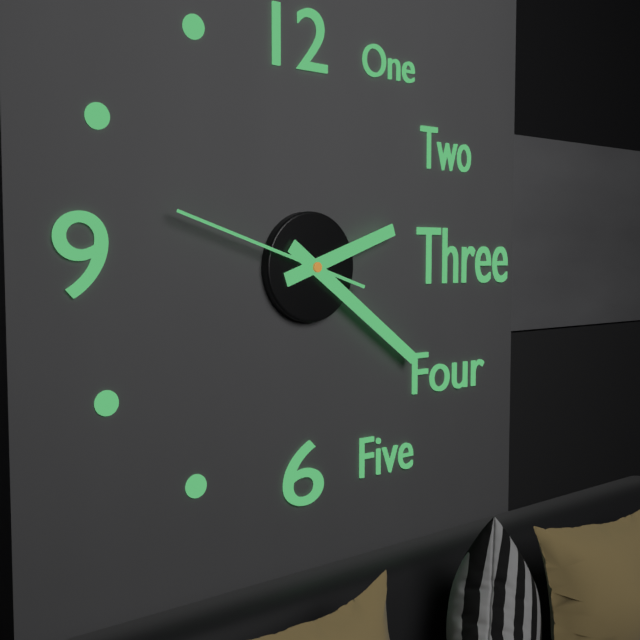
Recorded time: **2:21:48**
